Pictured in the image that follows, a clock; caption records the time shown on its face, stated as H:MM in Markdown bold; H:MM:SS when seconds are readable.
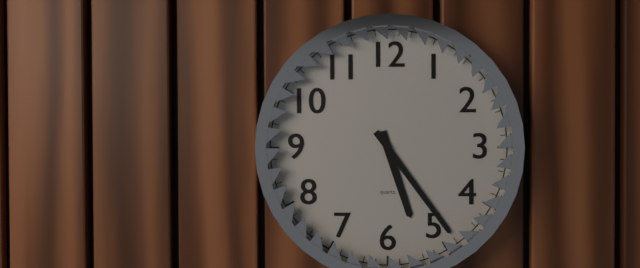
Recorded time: **5:24**
